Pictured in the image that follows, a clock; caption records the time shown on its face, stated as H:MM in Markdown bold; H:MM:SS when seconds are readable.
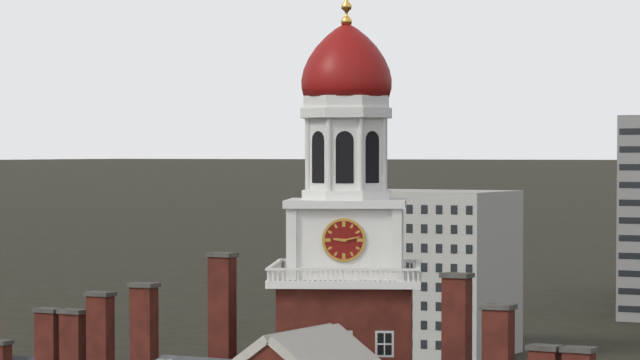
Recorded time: **9:13**
